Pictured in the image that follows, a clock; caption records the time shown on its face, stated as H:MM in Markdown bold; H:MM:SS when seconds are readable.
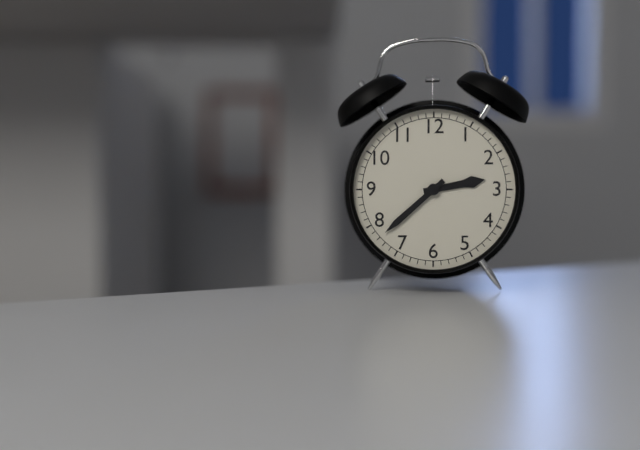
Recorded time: **2:38**
